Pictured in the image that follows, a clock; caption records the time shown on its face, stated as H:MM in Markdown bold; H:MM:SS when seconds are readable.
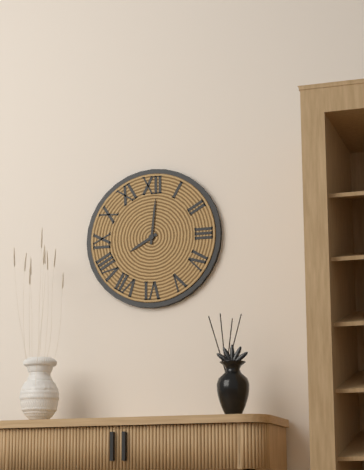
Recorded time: **8:01**
